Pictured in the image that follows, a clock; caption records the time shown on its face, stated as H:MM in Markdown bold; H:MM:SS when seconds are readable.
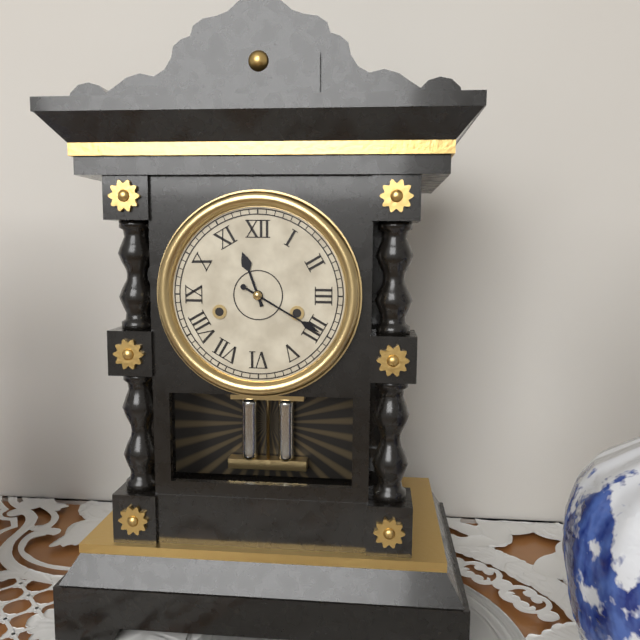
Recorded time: **11:20**
